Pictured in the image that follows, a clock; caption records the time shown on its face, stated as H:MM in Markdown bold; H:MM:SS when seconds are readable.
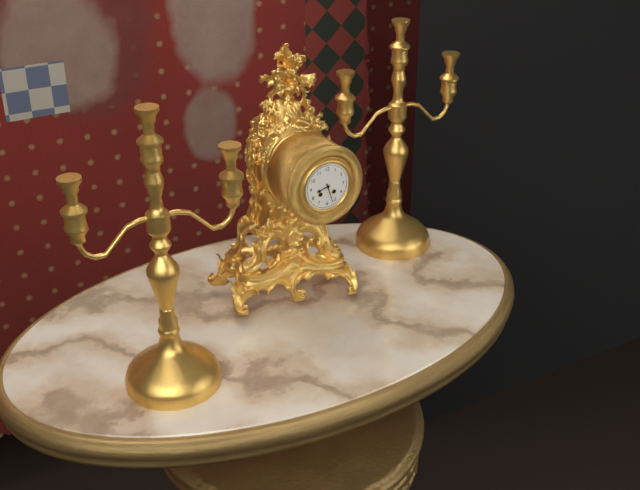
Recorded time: **8:27**
